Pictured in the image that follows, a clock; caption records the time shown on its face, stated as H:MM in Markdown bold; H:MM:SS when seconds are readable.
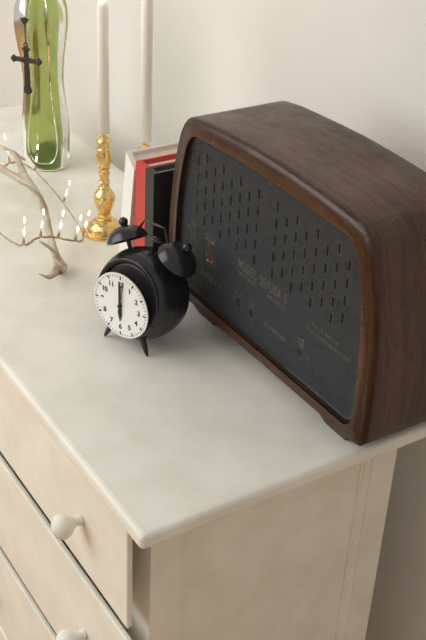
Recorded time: **6:00**
